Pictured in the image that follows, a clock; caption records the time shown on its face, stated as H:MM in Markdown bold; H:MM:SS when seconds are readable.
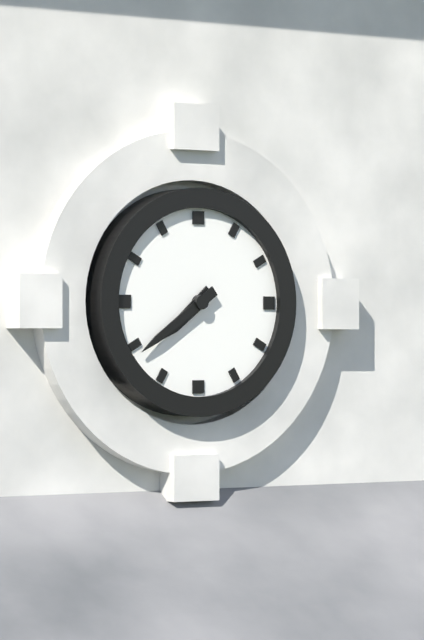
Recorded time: **7:39**
